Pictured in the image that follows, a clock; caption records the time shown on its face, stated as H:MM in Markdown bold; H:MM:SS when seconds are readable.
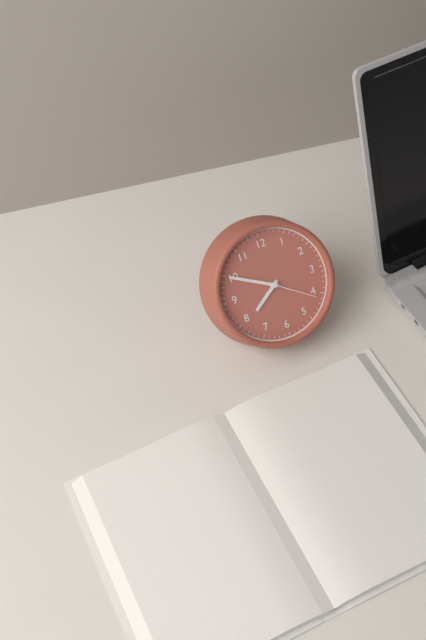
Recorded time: **7:50:21**
